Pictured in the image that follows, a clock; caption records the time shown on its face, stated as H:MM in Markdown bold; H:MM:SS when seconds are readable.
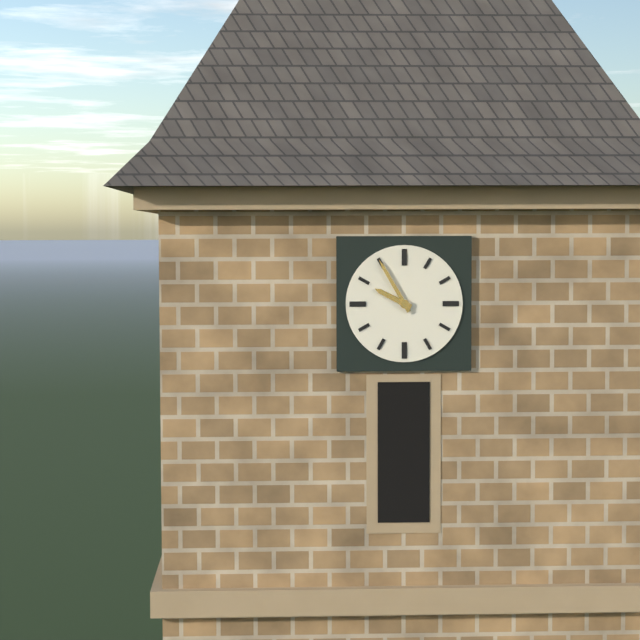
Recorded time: **9:55**
